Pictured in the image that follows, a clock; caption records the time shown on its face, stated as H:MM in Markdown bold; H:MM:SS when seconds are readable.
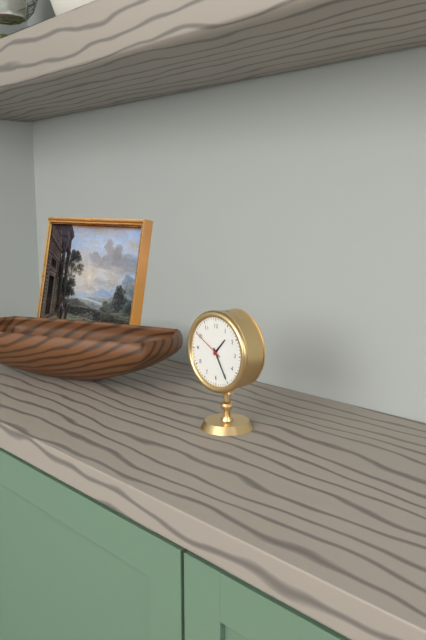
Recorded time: **1:25**
